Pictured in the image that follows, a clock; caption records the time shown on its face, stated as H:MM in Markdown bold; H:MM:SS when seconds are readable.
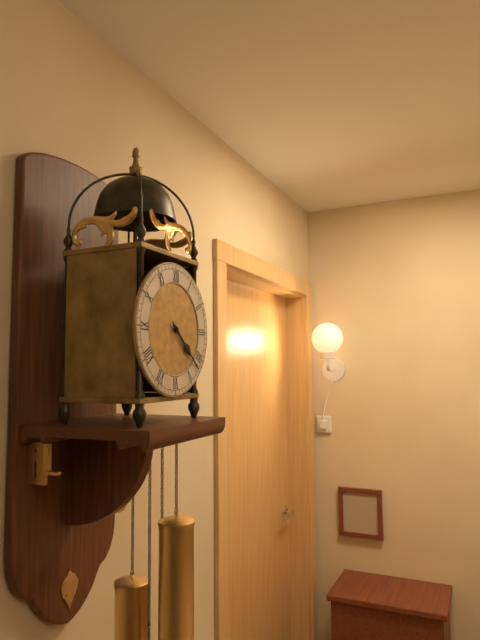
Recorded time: **4:22**
